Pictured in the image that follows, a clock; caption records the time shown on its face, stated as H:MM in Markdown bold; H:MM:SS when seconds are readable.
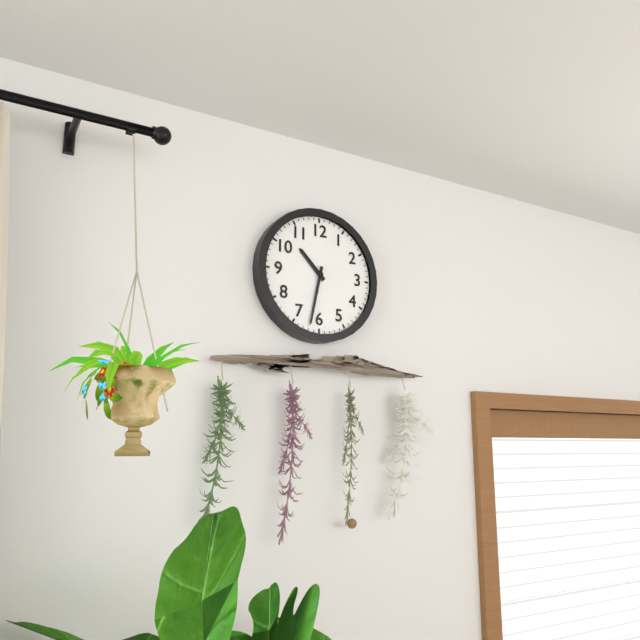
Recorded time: **10:32**
